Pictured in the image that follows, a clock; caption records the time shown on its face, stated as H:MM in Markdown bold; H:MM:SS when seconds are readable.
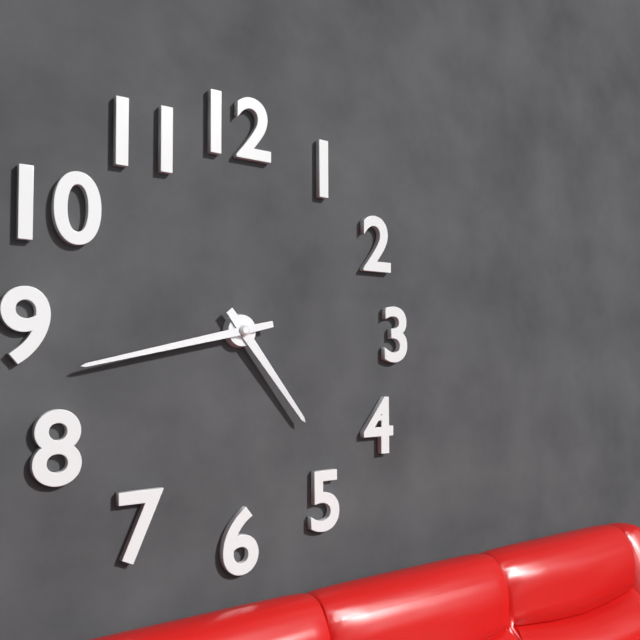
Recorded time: **4:43**
